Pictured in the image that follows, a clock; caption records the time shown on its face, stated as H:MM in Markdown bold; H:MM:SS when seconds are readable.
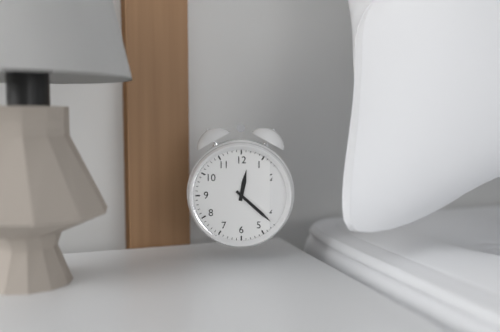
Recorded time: **12:22**
